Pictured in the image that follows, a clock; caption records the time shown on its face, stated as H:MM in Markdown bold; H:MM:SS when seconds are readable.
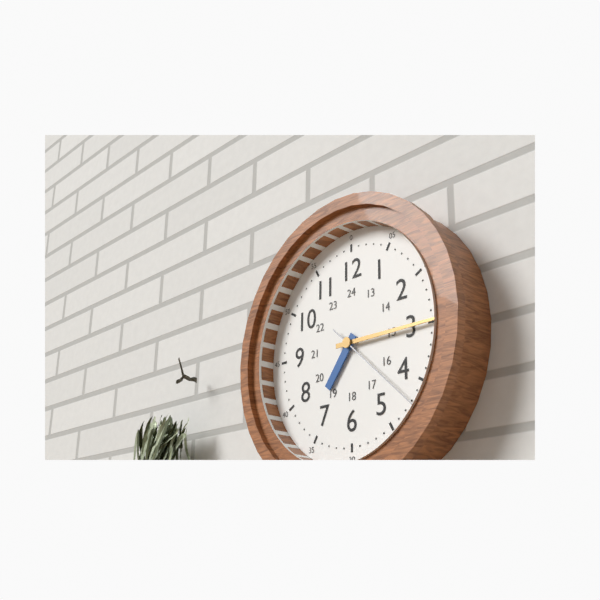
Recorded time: **7:15:22**
